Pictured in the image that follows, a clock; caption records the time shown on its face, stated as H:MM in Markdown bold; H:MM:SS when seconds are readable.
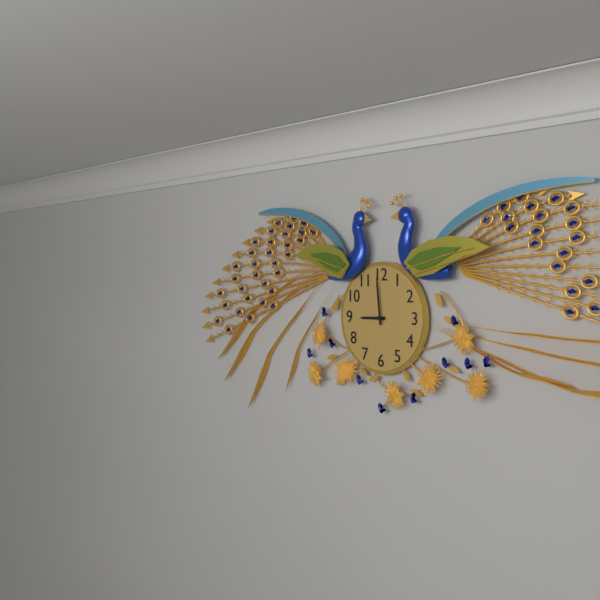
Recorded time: **8:59**
